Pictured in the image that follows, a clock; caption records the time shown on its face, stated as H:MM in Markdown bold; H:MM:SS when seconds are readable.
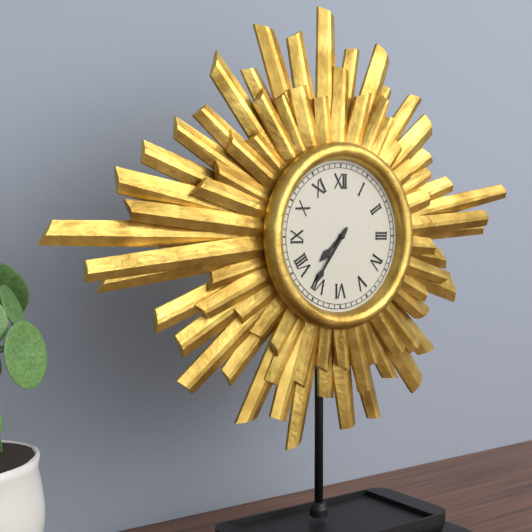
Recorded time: **7:36**
